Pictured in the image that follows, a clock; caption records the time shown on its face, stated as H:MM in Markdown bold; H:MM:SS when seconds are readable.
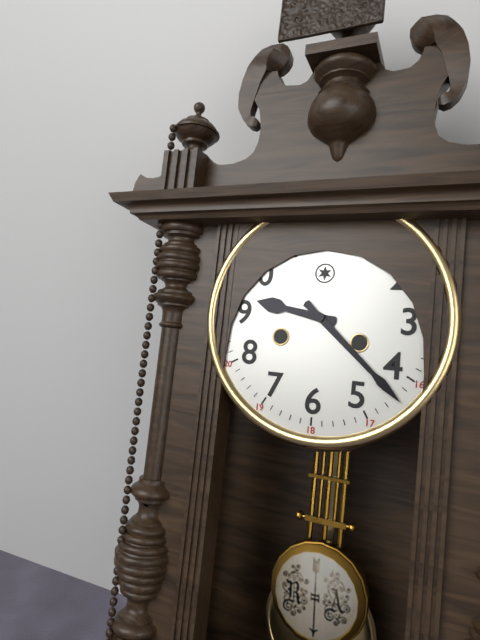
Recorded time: **9:22**
